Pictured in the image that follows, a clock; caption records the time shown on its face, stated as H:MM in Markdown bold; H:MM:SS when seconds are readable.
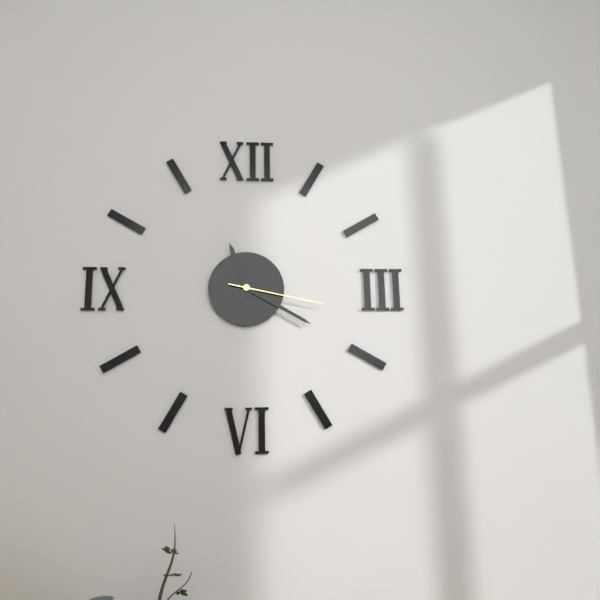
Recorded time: **11:20:17**
